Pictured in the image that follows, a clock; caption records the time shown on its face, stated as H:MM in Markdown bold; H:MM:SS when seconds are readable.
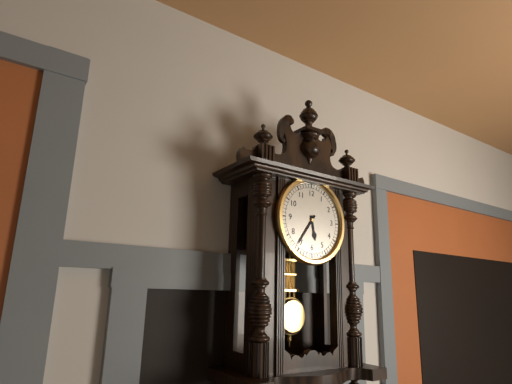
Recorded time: **5:36**
